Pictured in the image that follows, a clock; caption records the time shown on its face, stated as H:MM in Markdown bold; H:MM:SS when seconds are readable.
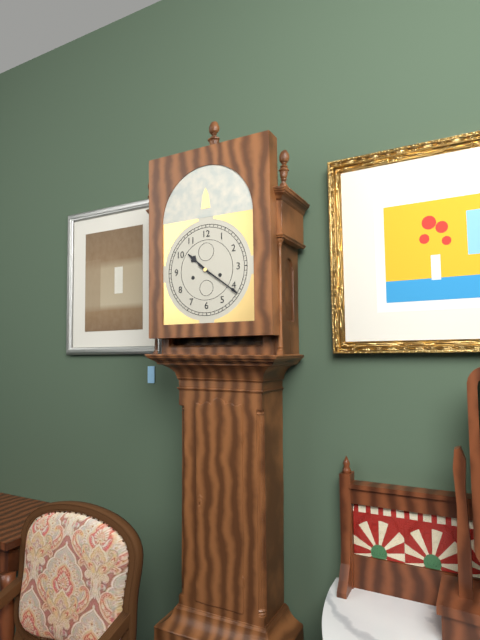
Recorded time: **10:21**
